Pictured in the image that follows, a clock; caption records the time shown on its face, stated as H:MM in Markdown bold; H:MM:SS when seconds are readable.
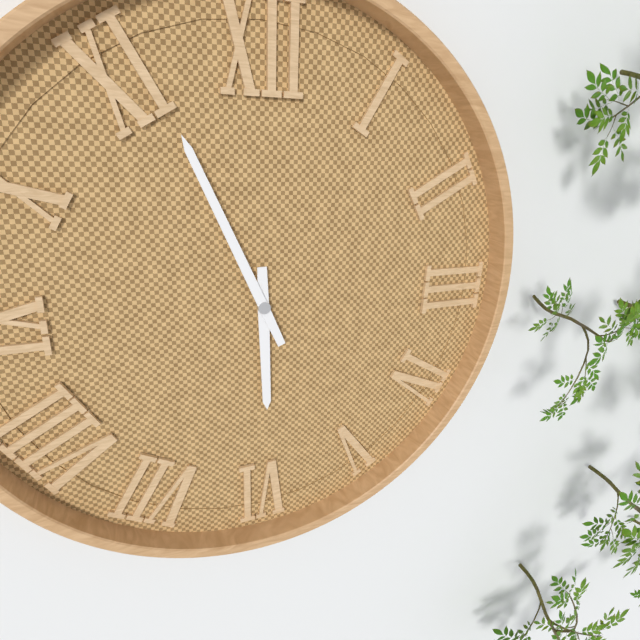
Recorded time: **5:56**
